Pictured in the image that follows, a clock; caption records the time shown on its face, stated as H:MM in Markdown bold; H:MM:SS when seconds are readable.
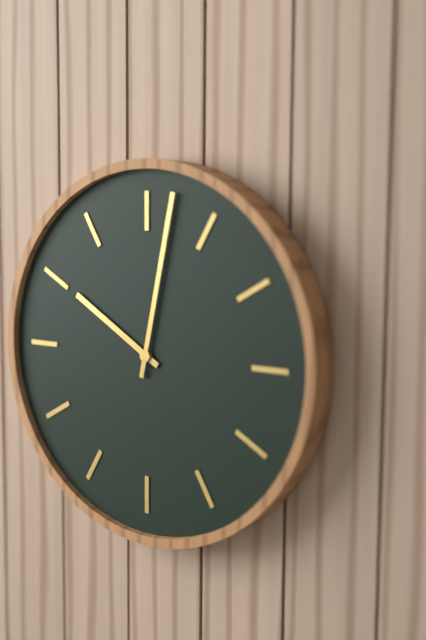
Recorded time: **10:02**
